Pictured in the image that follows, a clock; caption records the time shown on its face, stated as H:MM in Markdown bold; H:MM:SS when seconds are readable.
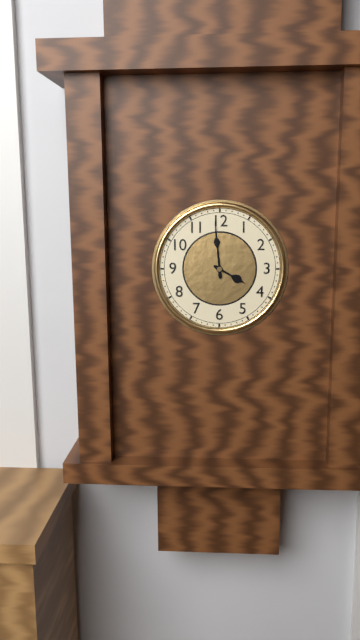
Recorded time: **3:59**
